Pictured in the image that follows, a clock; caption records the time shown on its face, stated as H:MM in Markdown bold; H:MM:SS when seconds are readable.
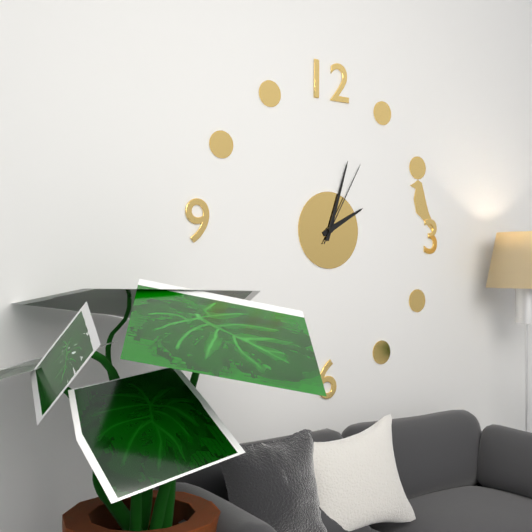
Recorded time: **2:03:05**
